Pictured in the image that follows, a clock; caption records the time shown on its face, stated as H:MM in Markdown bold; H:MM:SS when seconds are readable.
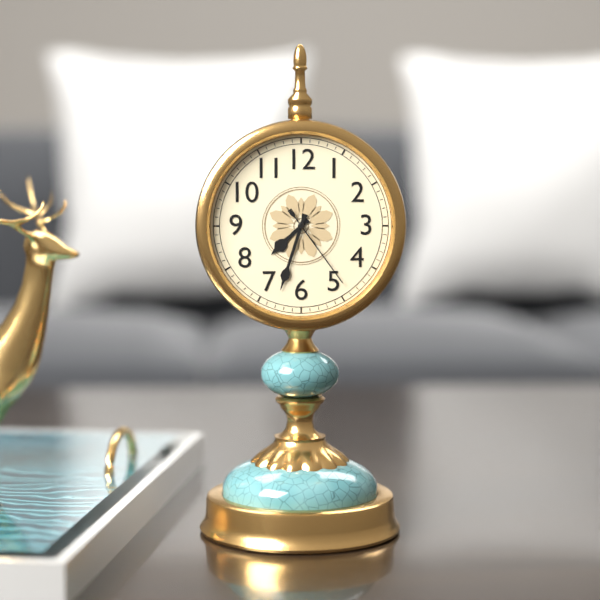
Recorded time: **7:33:24**
